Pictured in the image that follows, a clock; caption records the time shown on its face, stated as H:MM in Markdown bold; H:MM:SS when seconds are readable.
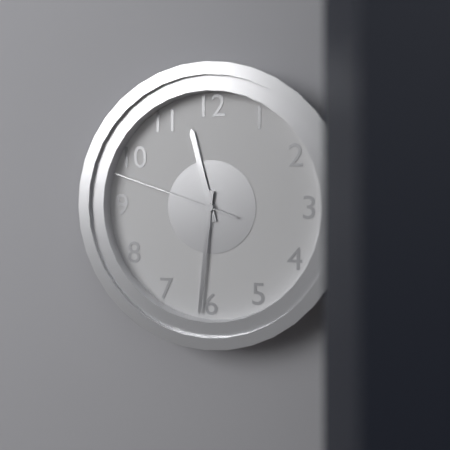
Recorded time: **11:31:48**
